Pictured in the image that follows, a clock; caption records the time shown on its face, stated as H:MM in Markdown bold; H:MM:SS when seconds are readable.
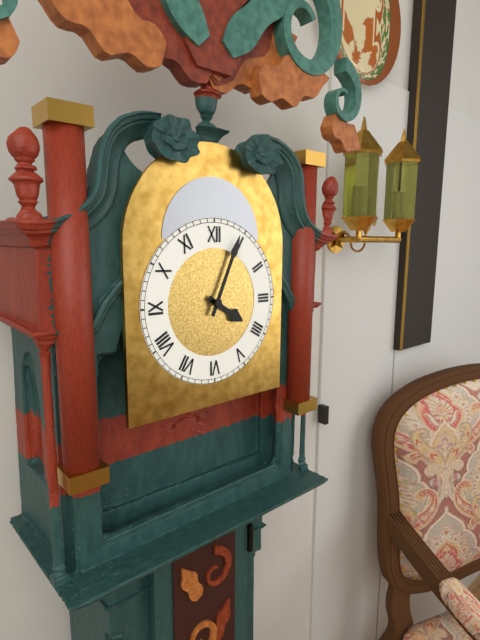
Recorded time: **4:04**
